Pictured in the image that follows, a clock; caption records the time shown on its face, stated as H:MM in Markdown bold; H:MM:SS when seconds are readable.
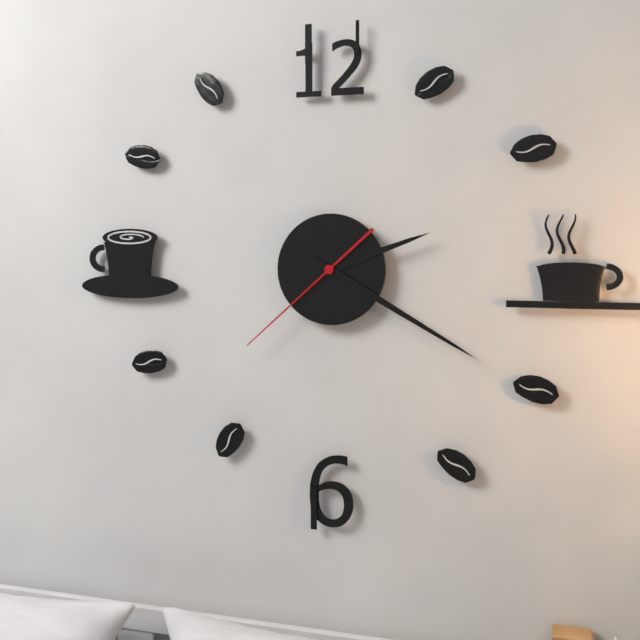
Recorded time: **2:20:38**
